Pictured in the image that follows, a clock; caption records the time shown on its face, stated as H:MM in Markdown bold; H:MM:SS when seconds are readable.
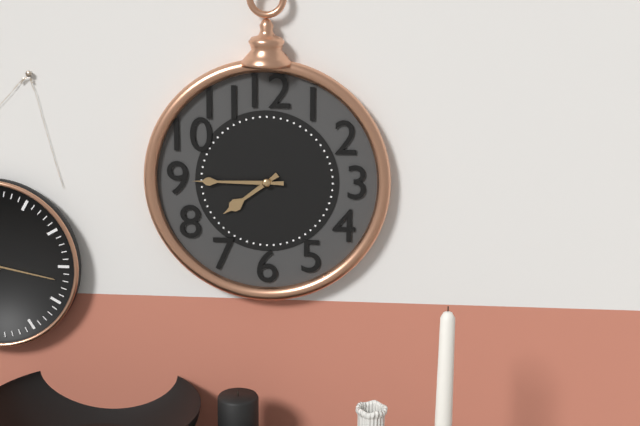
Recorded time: **7:45**
